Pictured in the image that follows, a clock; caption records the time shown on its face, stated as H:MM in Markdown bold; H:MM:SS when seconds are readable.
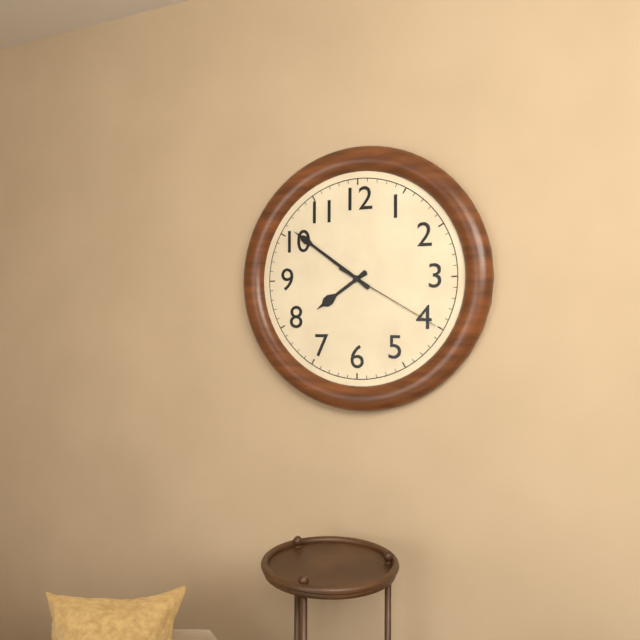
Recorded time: **7:51:20**
